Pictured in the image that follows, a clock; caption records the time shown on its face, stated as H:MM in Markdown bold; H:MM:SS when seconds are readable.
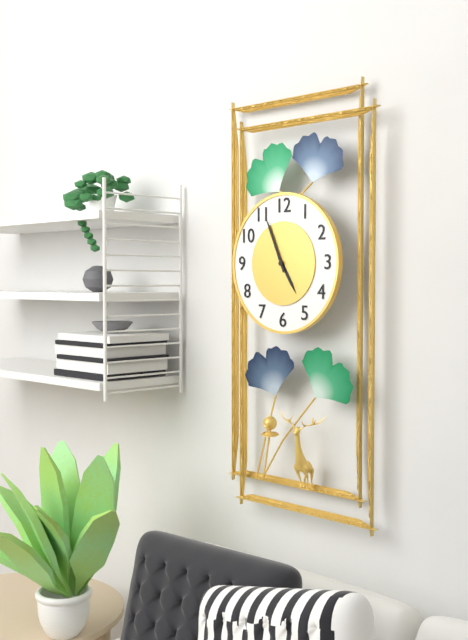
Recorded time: **4:56**
